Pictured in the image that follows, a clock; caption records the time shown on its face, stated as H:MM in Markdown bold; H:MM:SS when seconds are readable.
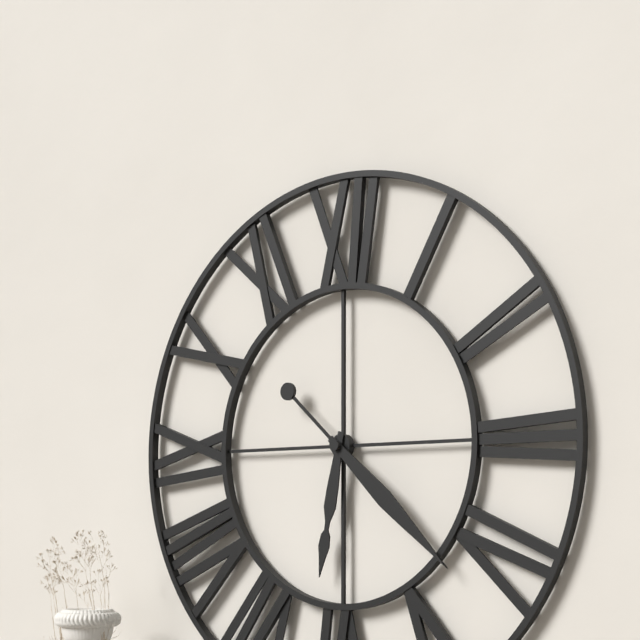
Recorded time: **6:22**
